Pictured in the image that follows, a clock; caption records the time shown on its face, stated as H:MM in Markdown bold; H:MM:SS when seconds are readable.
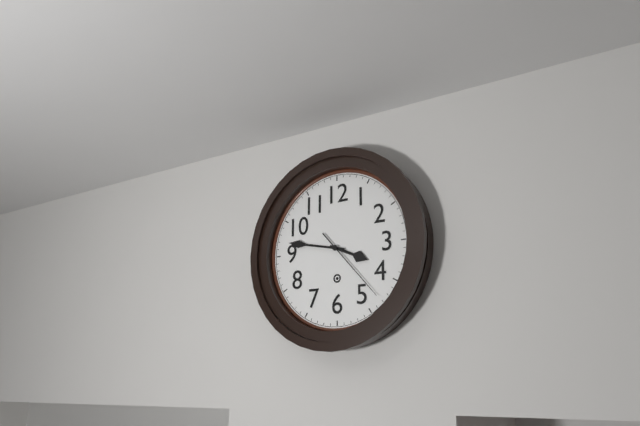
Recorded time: **3:47:23**
